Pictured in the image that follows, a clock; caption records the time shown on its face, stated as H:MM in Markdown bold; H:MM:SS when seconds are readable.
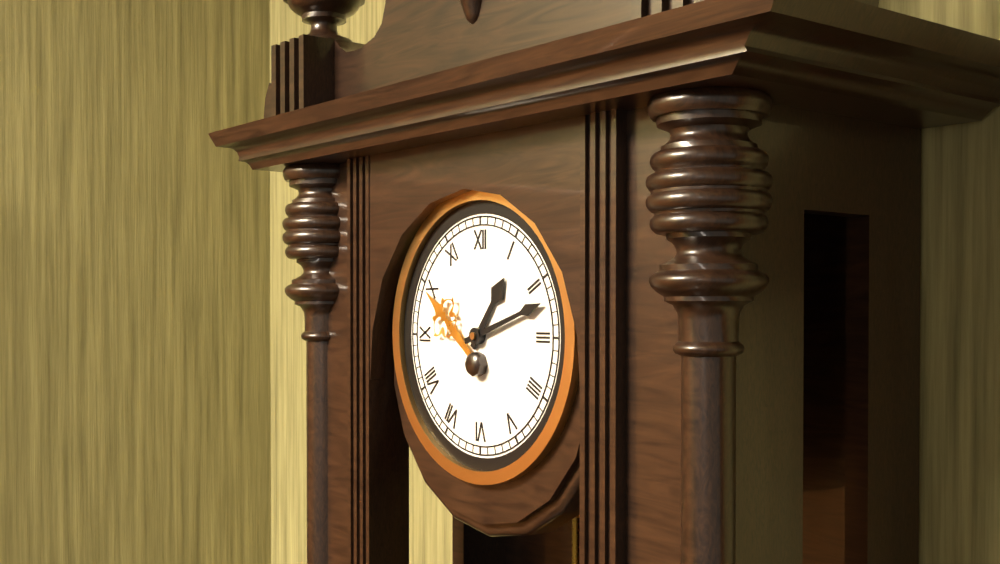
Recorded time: **1:12**
